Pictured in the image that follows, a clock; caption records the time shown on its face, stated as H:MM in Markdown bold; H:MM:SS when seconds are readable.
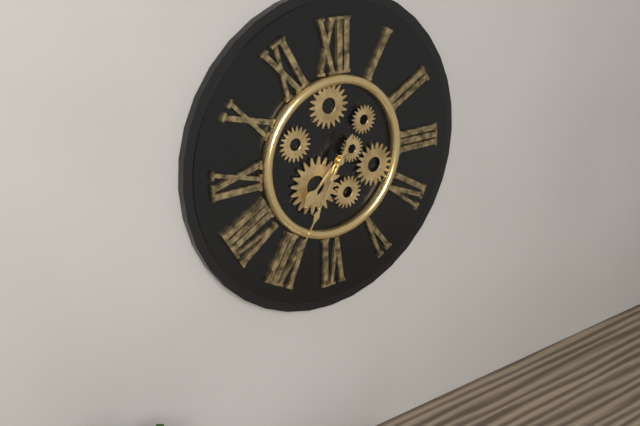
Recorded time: **7:35**
